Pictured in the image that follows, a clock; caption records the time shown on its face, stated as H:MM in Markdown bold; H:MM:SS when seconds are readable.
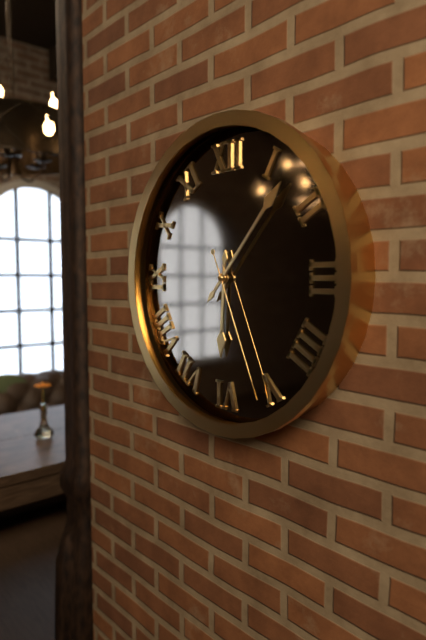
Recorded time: **6:07:26**
